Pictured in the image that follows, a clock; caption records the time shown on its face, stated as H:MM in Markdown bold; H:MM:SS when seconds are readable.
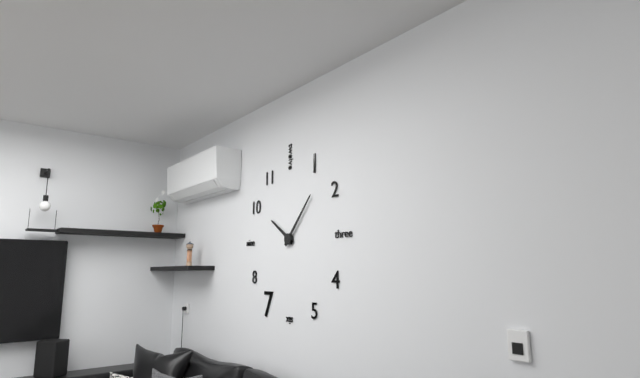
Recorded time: **10:07**
